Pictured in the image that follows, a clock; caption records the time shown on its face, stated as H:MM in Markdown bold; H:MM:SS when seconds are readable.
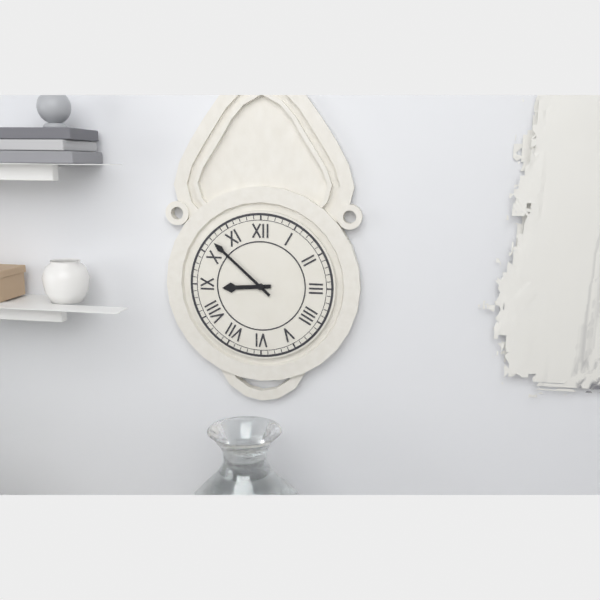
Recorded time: **8:52**
